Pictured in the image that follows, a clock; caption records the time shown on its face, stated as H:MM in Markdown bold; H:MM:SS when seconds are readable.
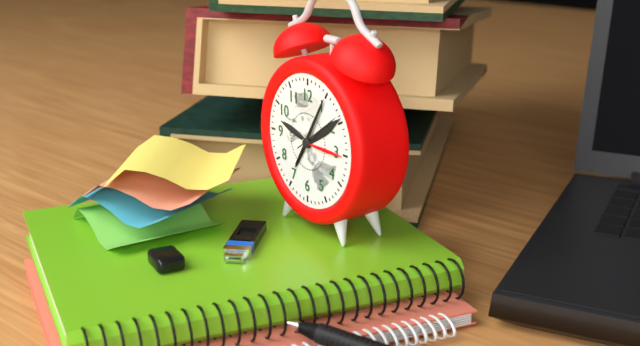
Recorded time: **7:05**
